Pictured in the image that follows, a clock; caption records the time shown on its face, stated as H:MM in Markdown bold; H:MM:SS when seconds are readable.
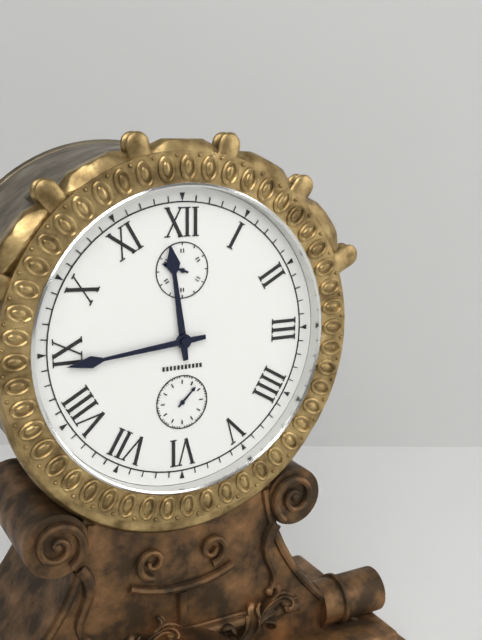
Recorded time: **11:44**
